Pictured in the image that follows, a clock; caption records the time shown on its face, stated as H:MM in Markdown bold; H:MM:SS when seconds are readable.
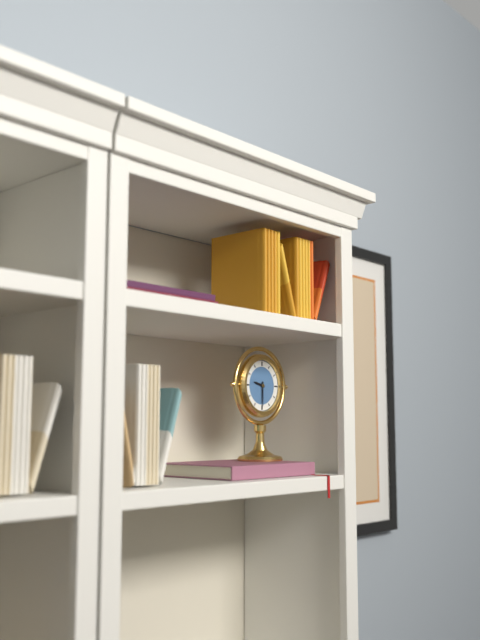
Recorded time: **9:30**
